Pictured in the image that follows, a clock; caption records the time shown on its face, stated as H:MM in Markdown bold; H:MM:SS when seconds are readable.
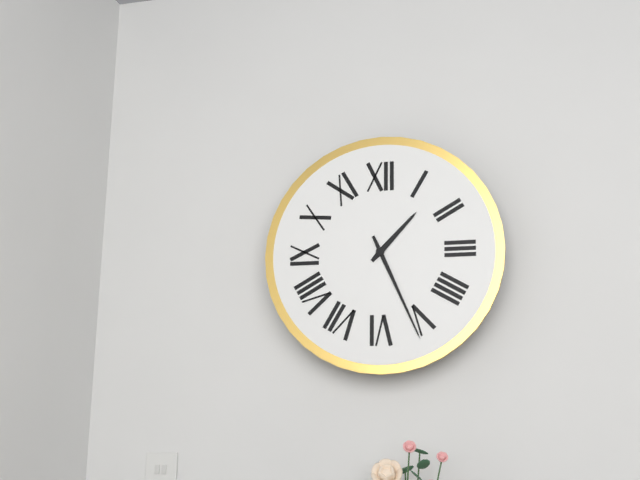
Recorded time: **1:26**
